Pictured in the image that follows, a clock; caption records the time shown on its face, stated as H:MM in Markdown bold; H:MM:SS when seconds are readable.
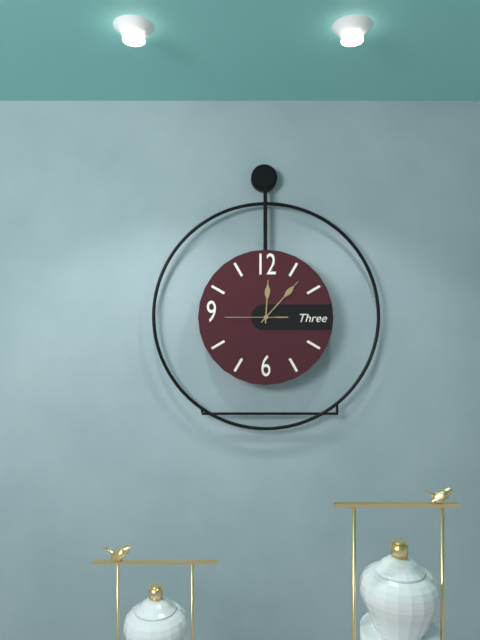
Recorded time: **12:07:45**
